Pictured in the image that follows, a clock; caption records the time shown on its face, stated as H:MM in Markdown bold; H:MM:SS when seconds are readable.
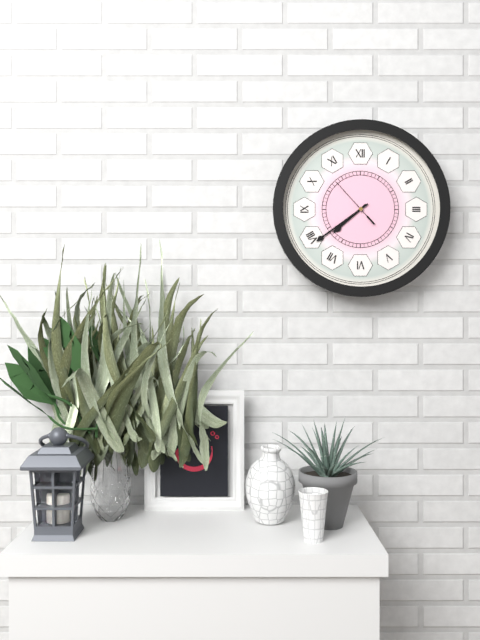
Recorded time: **7:39**
